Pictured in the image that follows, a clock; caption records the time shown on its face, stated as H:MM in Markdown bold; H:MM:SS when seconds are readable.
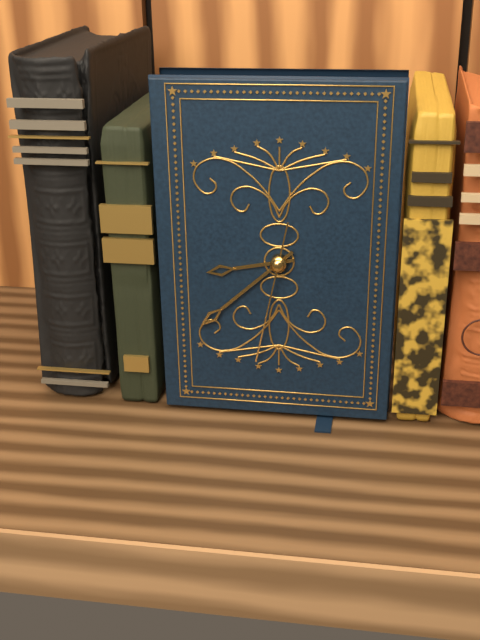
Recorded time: **8:38:32**
